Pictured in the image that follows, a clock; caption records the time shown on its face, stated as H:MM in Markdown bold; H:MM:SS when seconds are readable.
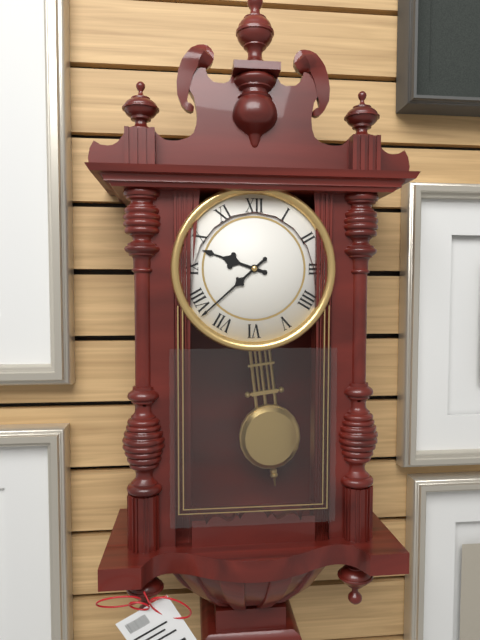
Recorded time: **9:38**
